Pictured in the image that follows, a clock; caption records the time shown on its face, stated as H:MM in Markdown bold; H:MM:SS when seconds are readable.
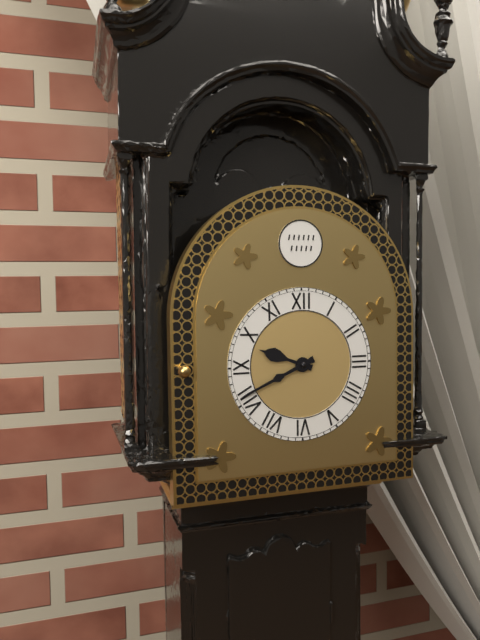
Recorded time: **9:41**
